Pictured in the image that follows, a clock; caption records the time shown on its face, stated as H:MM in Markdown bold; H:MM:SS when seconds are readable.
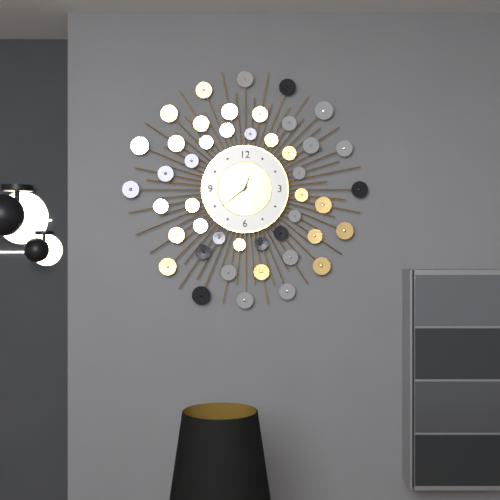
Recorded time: **12:39**
